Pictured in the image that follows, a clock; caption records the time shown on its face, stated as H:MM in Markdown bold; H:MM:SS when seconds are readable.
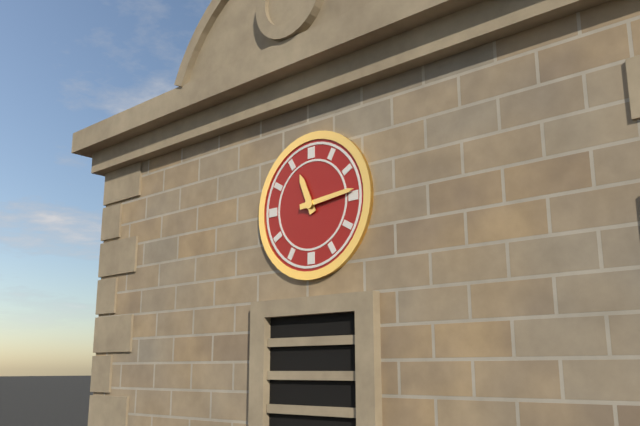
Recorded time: **11:14**
